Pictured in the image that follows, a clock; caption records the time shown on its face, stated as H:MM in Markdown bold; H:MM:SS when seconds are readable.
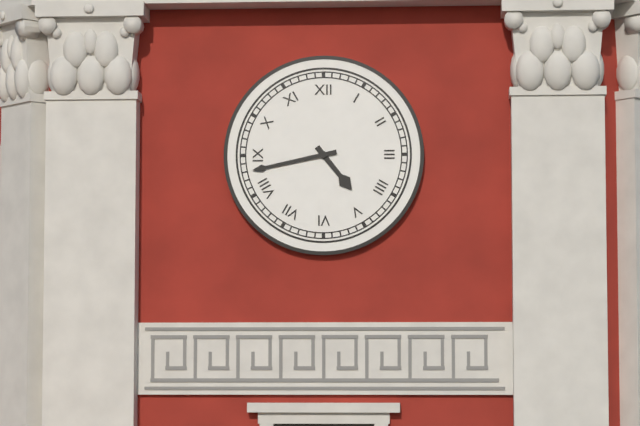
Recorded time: **4:43**
